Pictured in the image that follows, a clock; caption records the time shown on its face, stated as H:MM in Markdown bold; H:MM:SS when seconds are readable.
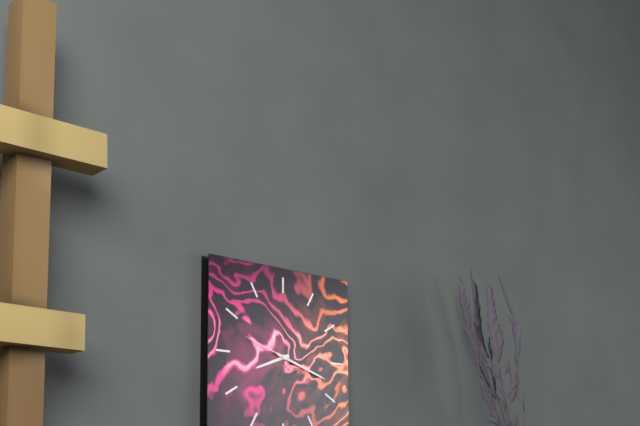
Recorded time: **8:18:48**
